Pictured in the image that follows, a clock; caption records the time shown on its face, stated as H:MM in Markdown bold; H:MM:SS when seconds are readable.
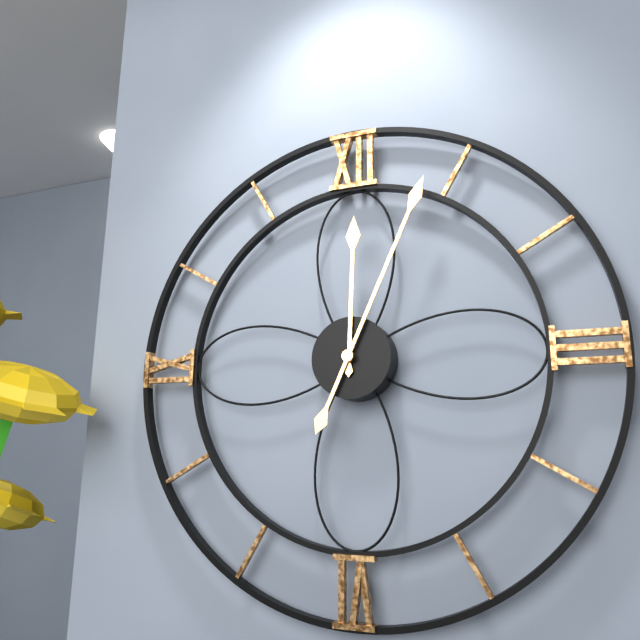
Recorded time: **12:04**
